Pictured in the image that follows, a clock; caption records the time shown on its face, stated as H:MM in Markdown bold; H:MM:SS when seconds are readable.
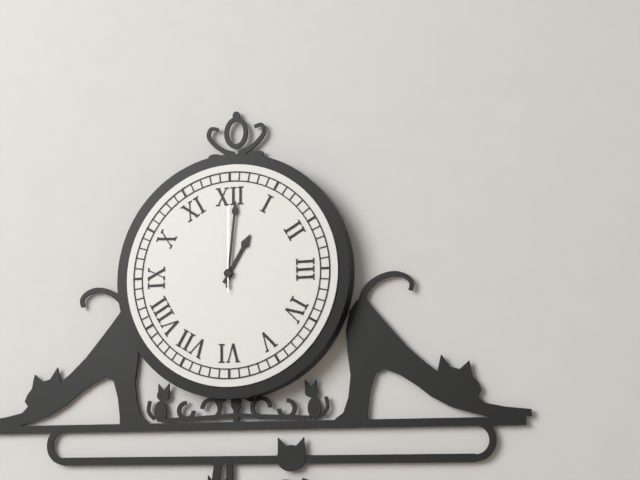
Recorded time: **1:01:00**
